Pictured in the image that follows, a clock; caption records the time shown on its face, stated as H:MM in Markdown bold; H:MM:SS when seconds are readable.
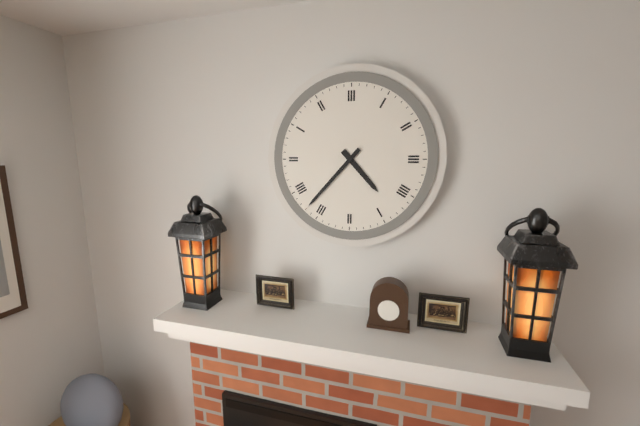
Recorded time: **4:37**
